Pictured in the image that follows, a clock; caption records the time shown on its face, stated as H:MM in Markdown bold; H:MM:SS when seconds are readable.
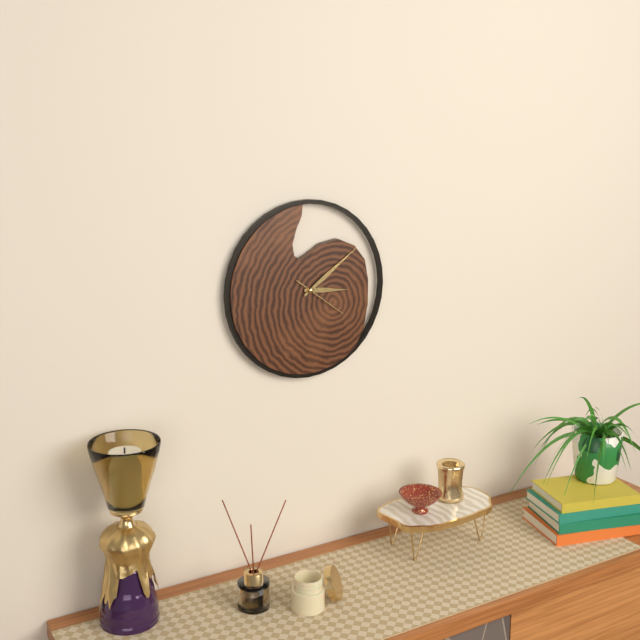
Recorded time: **3:09:21**
